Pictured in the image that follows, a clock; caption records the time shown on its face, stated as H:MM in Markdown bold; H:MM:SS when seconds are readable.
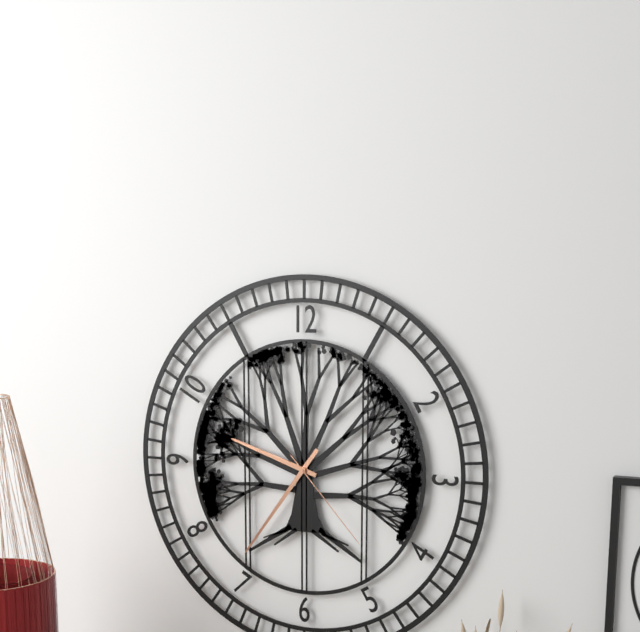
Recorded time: **9:36:23**
